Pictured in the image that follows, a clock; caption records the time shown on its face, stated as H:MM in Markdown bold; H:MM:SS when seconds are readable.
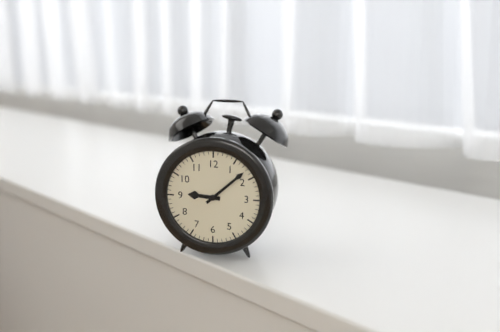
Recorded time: **9:08**
